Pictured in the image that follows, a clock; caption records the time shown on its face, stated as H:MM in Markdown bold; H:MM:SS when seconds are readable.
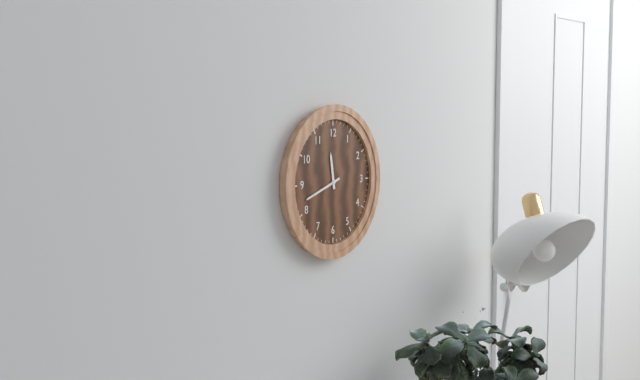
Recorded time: **11:42**
